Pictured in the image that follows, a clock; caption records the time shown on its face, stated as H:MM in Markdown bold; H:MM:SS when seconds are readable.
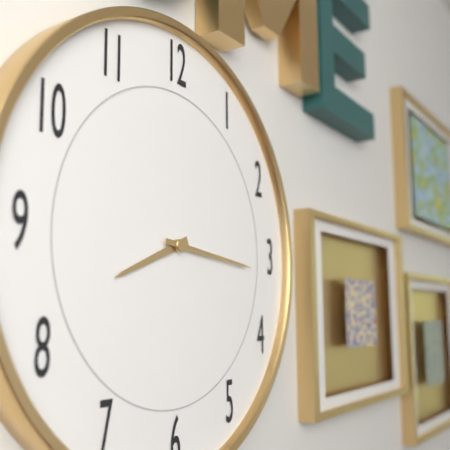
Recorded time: **8:16**
